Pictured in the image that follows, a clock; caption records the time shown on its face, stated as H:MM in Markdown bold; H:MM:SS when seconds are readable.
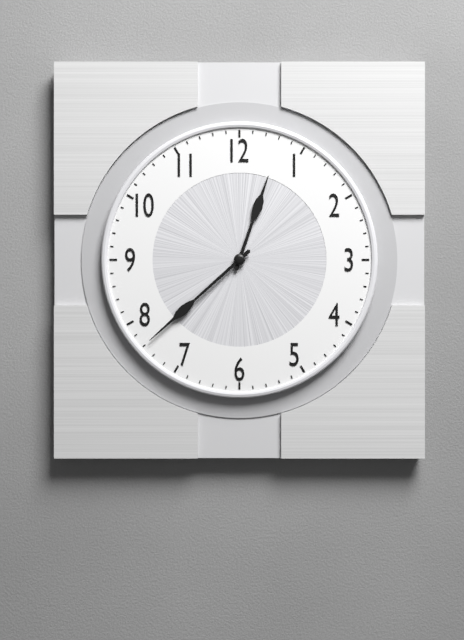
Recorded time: **12:38**
